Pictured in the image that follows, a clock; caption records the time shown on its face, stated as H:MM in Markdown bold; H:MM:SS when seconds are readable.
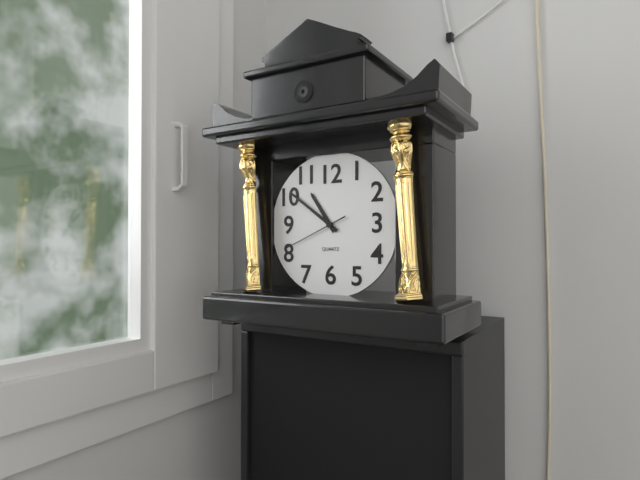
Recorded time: **10:51:41**
